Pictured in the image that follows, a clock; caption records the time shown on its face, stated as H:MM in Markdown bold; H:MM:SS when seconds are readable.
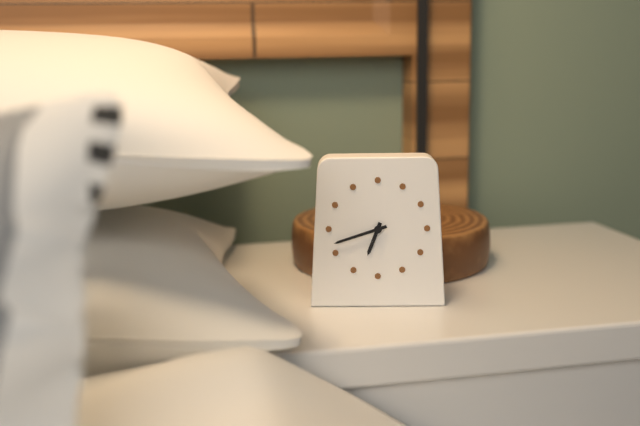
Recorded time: **6:42**
